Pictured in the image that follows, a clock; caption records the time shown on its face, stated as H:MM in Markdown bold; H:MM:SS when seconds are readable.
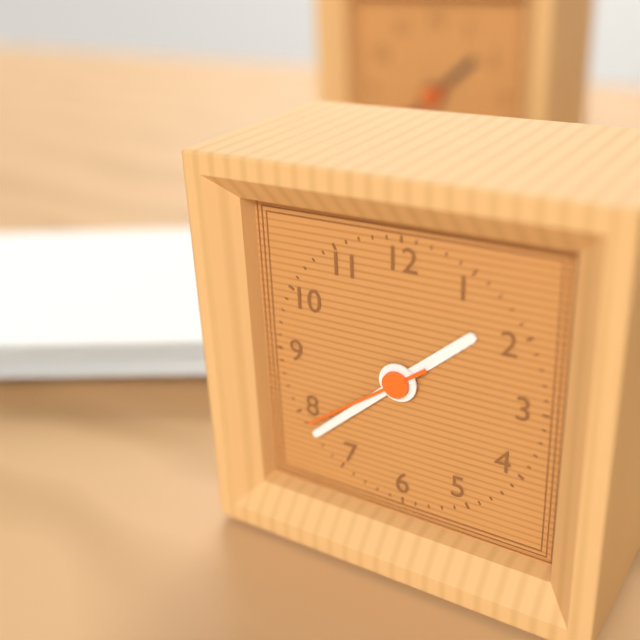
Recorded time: **1:38:39**
